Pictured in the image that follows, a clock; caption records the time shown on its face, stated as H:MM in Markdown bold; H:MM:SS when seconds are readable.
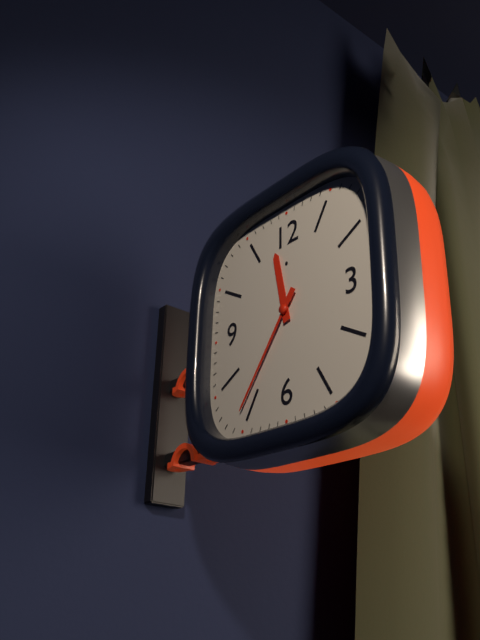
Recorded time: **11:36**
